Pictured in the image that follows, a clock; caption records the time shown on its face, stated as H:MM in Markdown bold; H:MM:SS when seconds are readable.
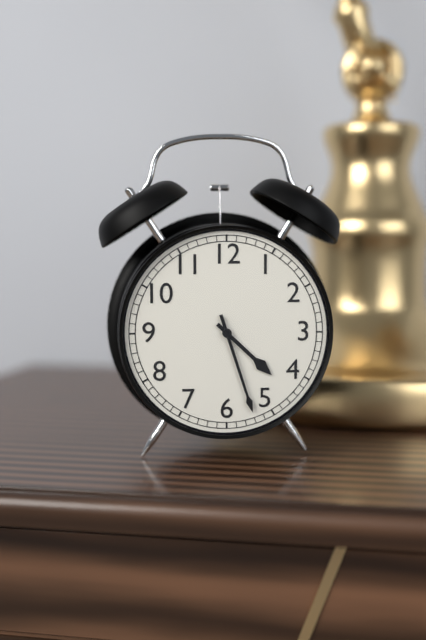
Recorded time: **4:27**
